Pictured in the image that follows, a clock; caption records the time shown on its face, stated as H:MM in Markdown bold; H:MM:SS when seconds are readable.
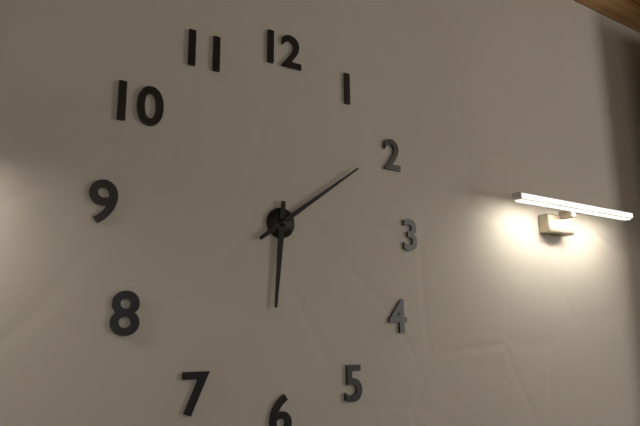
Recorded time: **6:09**
